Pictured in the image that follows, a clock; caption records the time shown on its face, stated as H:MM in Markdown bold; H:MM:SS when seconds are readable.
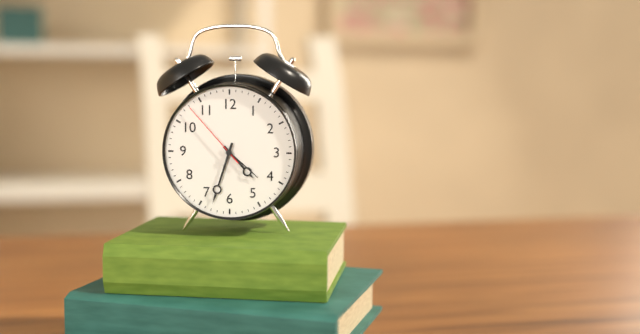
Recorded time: **4:33:53**
